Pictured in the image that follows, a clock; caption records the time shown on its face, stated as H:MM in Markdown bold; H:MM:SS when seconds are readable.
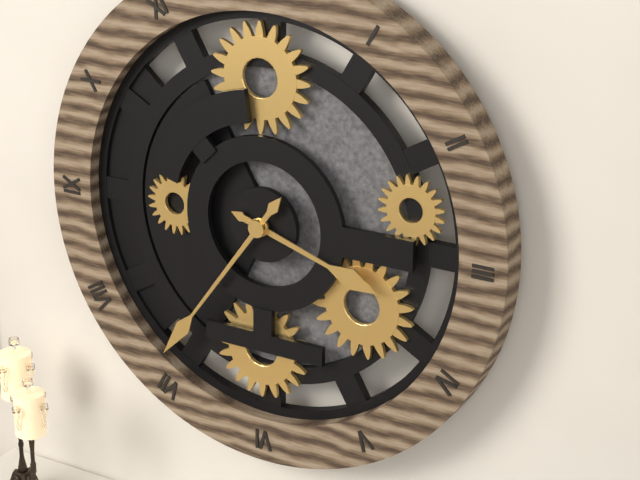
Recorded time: **3:36**
